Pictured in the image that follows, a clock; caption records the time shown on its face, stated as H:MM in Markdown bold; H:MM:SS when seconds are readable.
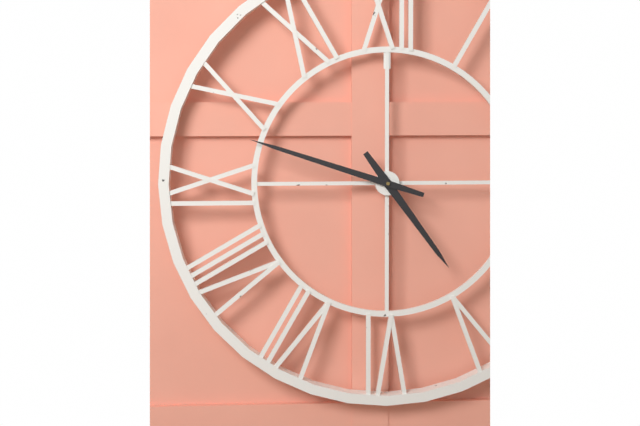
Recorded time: **4:48**
